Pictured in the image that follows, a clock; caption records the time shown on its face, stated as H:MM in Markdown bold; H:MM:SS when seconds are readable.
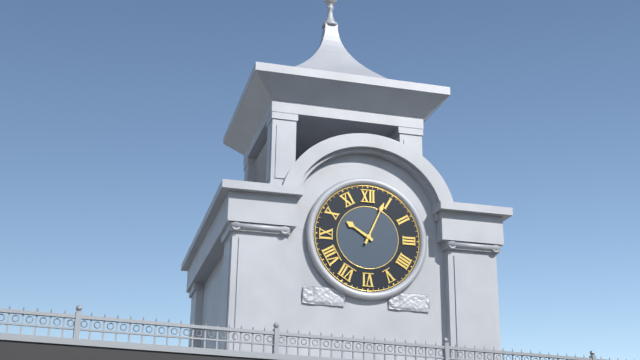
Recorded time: **10:04**
